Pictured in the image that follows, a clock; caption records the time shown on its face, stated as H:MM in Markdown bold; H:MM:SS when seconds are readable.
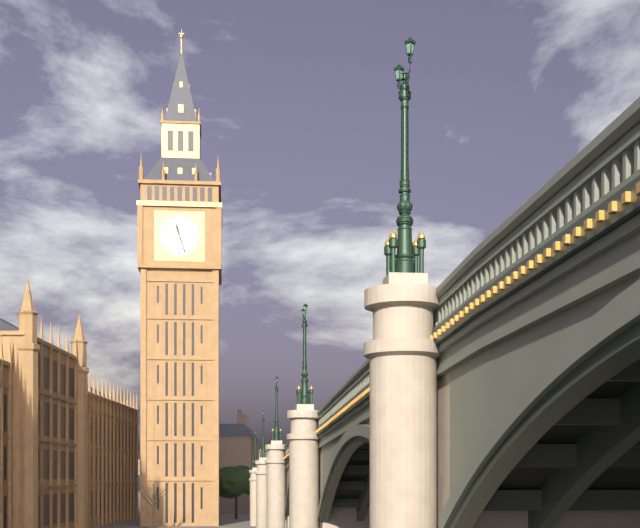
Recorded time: **11:27**
